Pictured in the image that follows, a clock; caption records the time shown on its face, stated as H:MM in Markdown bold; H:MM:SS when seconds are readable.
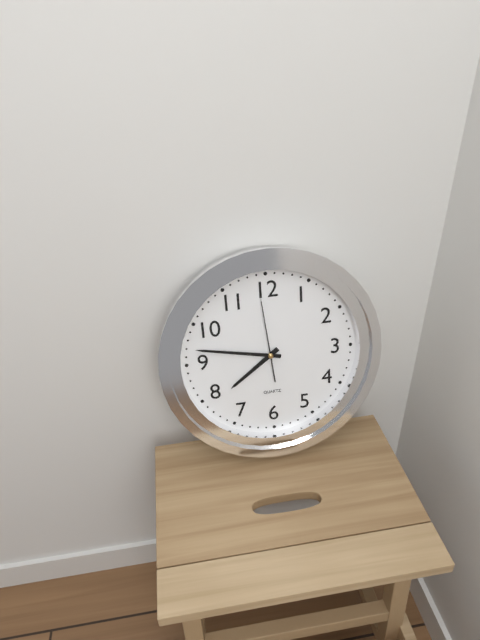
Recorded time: **7:47:59**
